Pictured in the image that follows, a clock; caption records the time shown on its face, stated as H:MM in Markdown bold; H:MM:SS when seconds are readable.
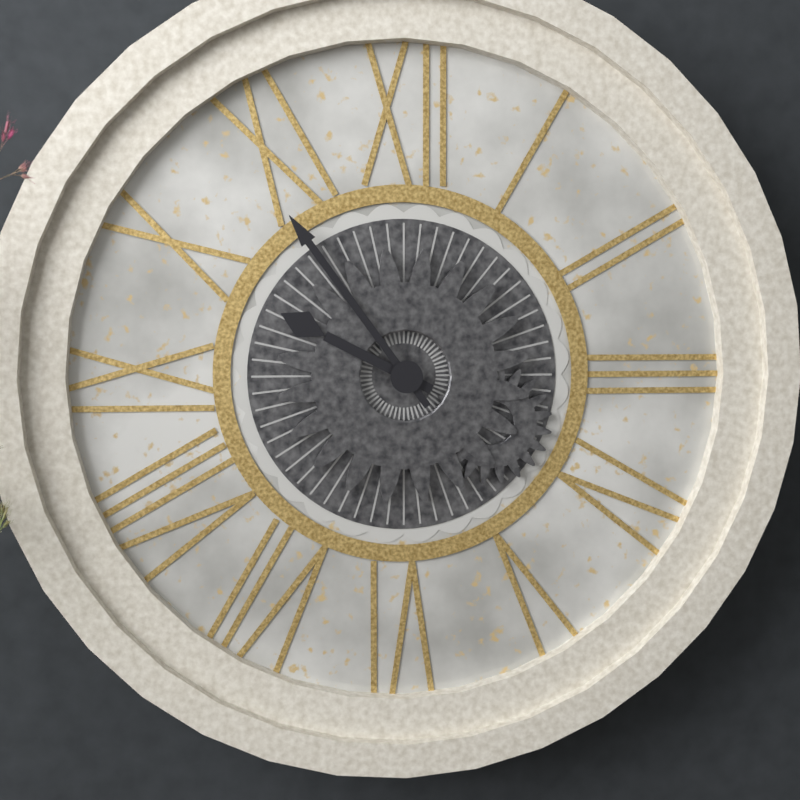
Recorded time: **9:54**
